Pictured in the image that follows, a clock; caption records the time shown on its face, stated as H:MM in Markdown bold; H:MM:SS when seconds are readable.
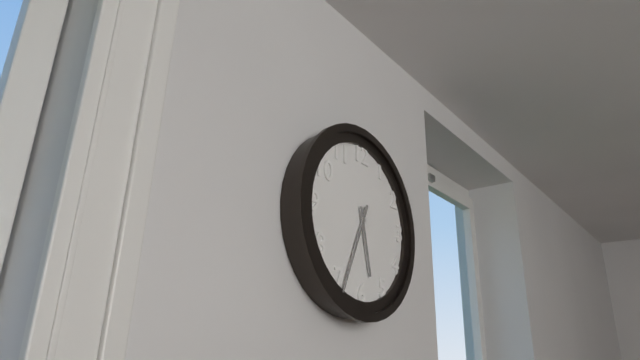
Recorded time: **5:34**
